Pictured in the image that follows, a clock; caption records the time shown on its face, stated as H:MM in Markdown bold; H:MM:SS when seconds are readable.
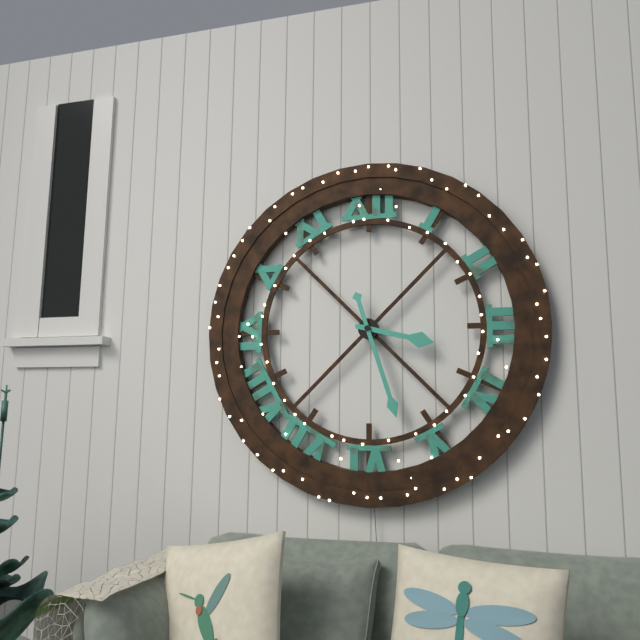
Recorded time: **3:27**
